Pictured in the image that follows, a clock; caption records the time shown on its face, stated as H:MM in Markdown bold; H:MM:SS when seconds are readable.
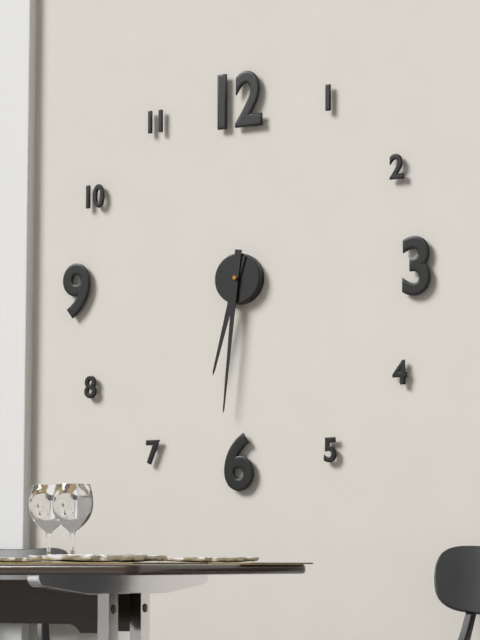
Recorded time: **6:31**
